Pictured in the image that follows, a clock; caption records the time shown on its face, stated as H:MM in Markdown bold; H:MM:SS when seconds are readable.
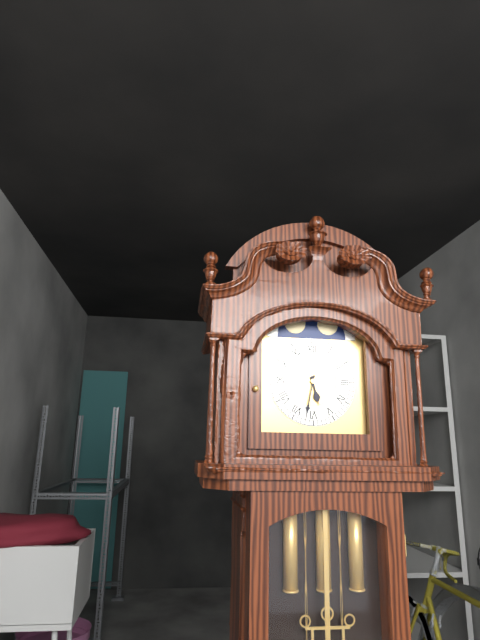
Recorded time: **5:32**
